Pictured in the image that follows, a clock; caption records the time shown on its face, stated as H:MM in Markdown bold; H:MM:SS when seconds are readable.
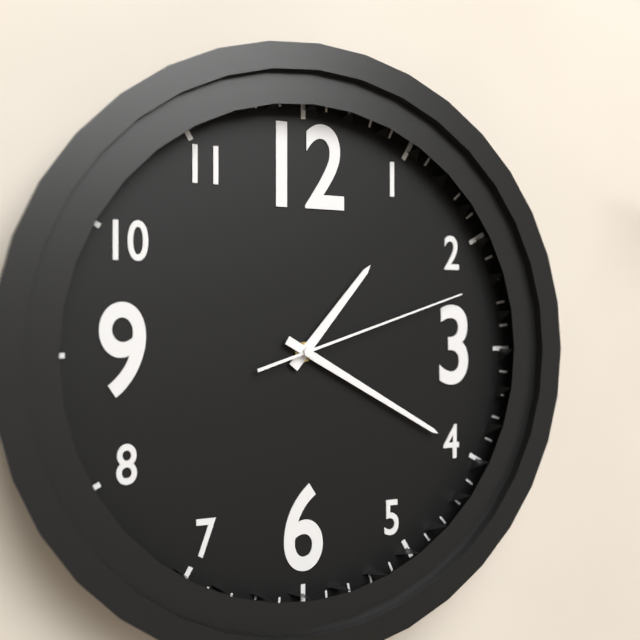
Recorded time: **1:20:12**
